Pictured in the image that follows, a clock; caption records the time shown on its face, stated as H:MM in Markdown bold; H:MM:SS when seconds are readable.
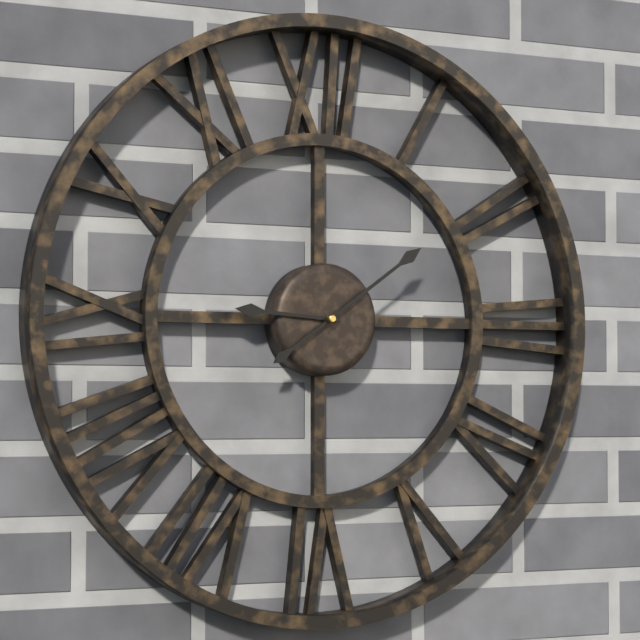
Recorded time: **9:09**
